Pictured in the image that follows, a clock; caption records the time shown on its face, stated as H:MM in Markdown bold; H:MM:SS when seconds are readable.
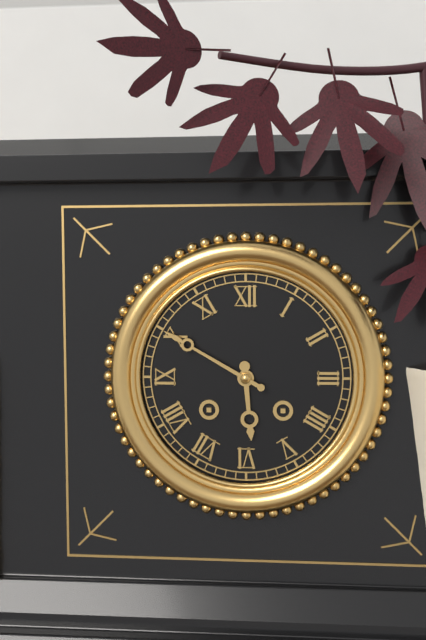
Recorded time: **5:50**
